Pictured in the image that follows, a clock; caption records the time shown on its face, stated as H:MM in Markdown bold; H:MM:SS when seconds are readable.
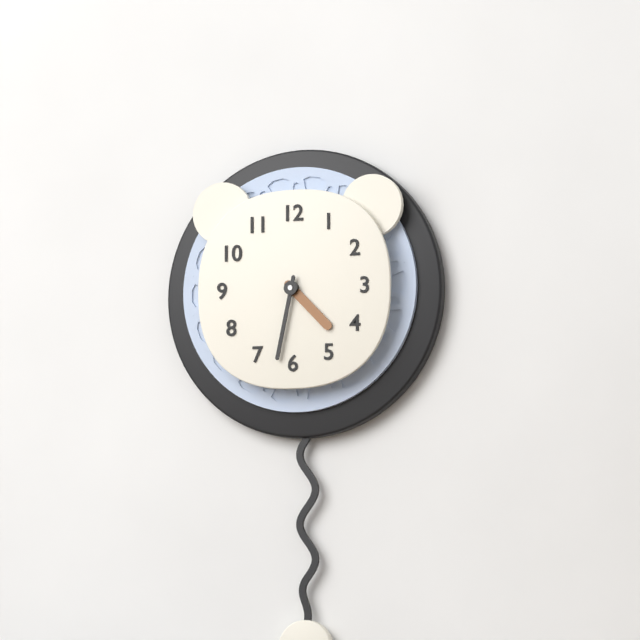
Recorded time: **4:32**
